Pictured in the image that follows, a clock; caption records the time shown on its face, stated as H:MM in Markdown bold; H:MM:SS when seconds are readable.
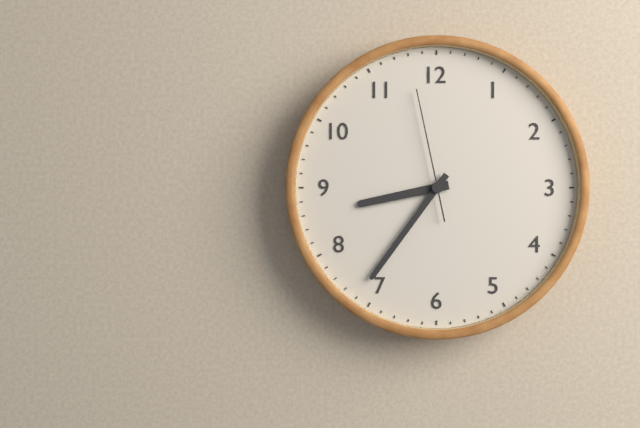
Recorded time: **8:36:58**
